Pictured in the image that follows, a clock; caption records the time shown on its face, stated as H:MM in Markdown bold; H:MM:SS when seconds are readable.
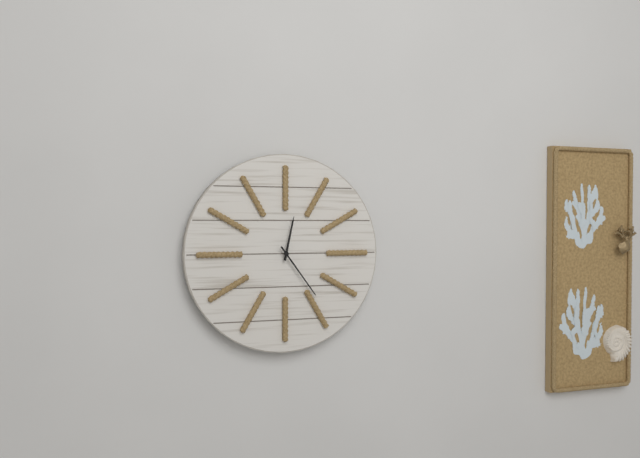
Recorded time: **12:24**
